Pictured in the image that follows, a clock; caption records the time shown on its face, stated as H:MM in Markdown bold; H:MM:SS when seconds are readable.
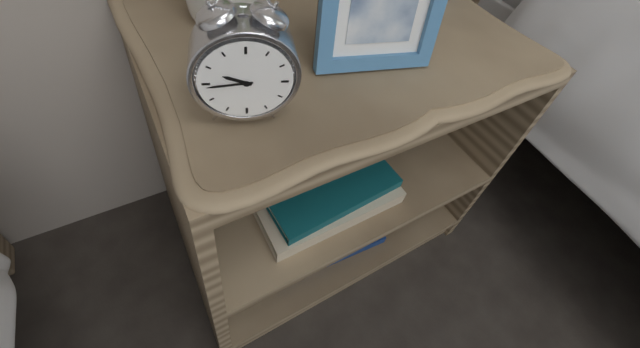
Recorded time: **9:44**
